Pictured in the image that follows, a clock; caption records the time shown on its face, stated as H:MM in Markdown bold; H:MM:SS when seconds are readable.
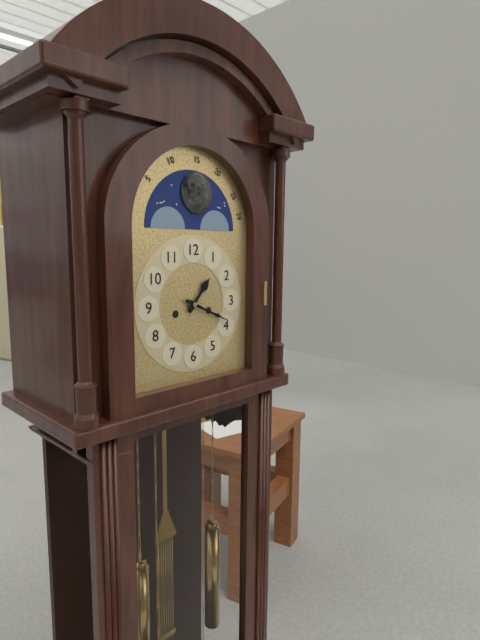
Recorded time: **1:19**
